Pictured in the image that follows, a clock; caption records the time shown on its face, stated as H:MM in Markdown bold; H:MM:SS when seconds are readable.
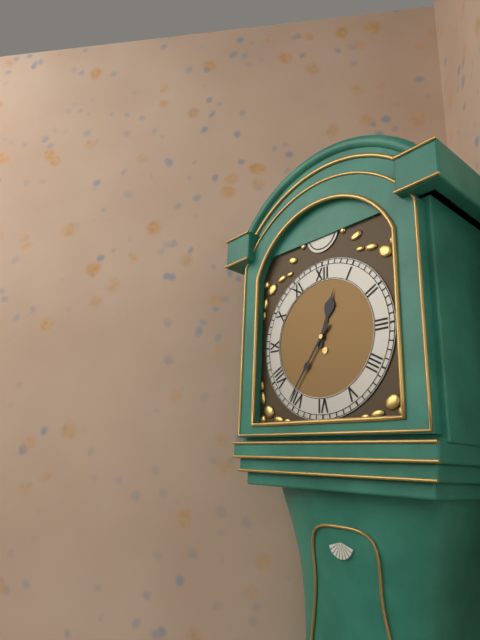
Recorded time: **12:36**
